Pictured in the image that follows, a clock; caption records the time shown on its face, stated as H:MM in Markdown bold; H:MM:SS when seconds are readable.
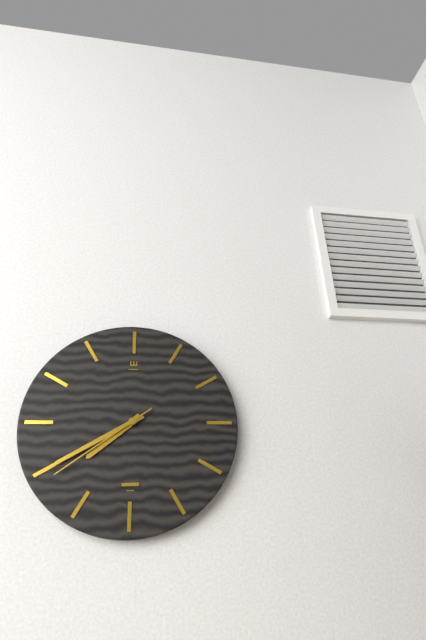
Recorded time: **7:40:39**
